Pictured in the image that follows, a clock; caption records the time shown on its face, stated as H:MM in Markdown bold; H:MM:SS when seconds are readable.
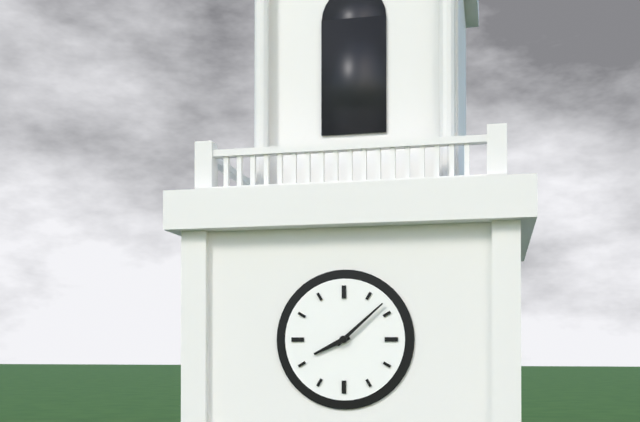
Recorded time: **8:08**
